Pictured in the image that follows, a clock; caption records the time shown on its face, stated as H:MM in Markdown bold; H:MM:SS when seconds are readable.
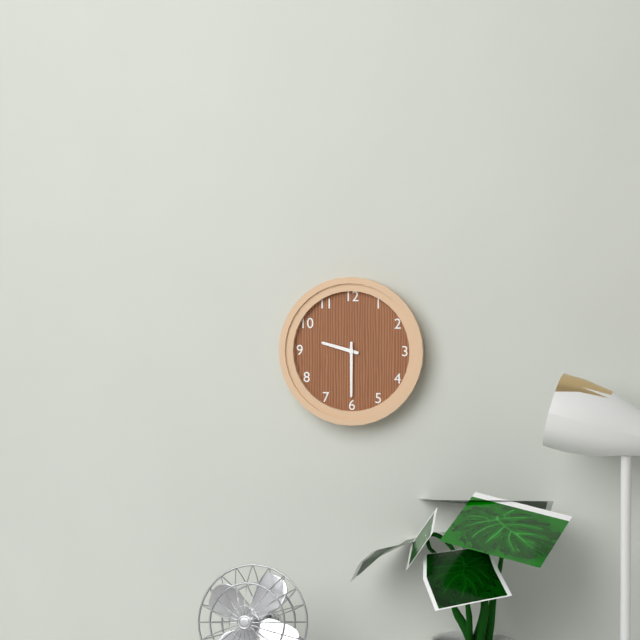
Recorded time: **9:30**
